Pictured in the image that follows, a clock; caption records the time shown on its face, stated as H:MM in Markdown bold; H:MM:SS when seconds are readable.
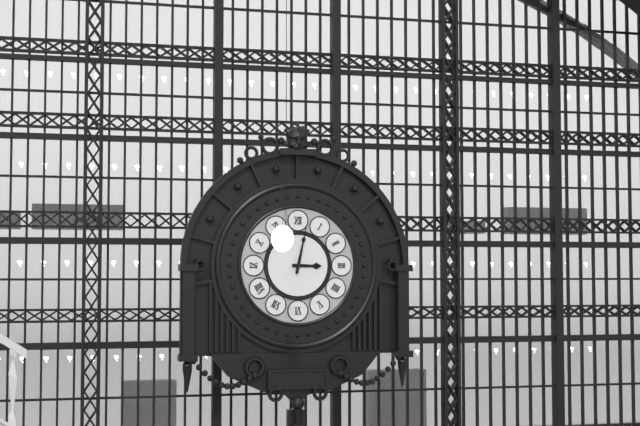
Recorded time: **3:02**
